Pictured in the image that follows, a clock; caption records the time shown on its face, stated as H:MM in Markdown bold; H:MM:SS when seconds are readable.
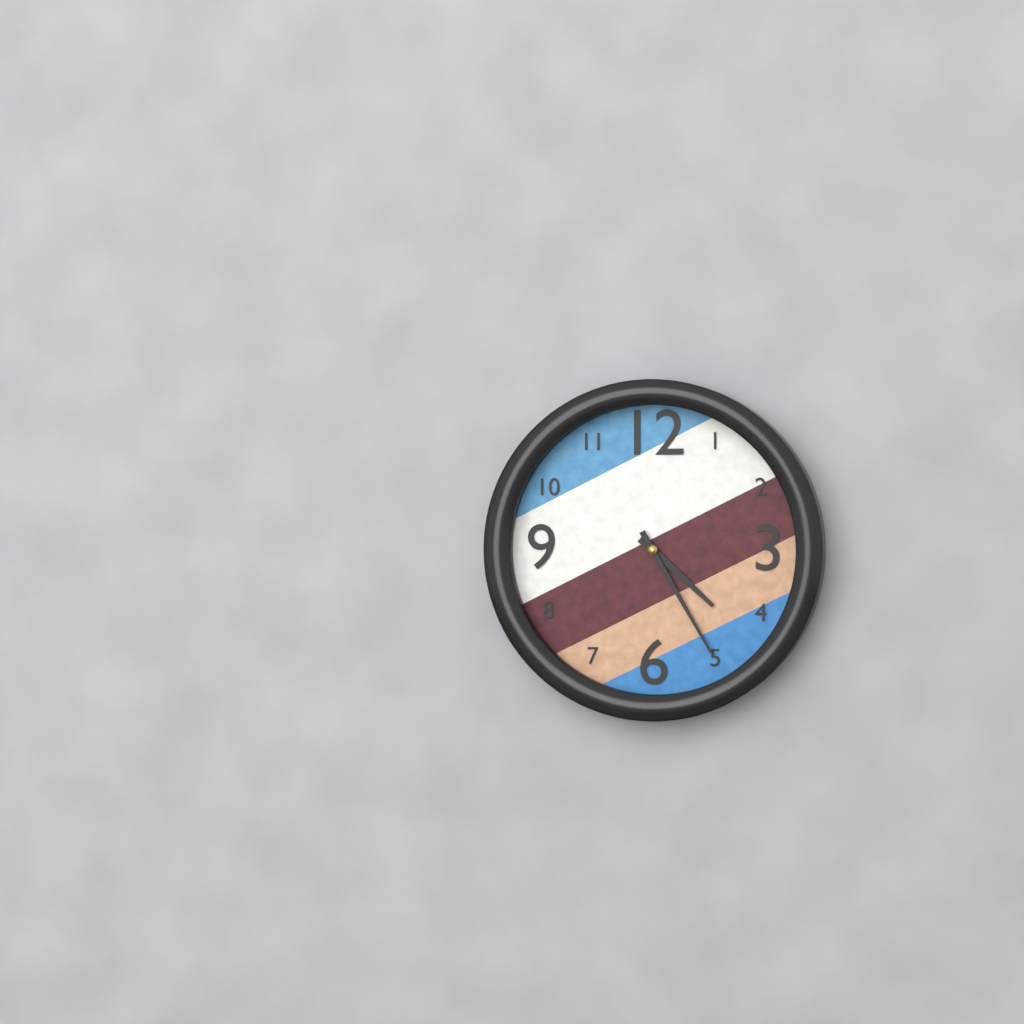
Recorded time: **4:25**
